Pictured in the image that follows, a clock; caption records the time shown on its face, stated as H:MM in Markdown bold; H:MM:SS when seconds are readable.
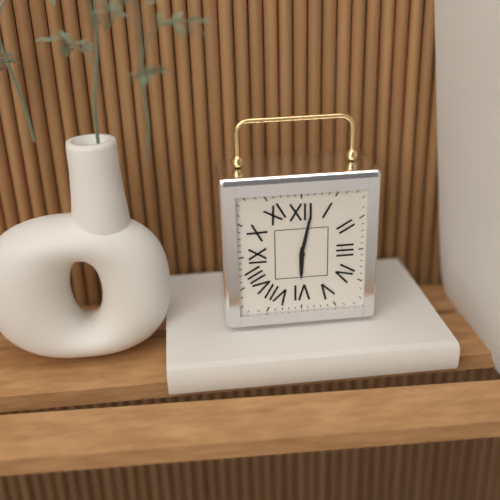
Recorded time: **6:02**
